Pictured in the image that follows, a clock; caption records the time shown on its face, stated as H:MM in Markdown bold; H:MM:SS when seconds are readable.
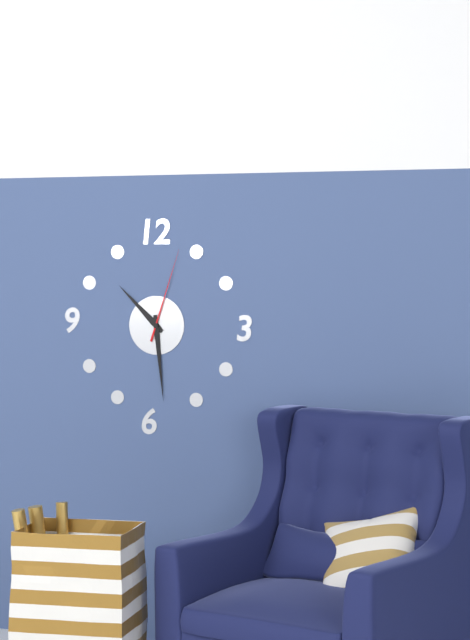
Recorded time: **10:29:03**
